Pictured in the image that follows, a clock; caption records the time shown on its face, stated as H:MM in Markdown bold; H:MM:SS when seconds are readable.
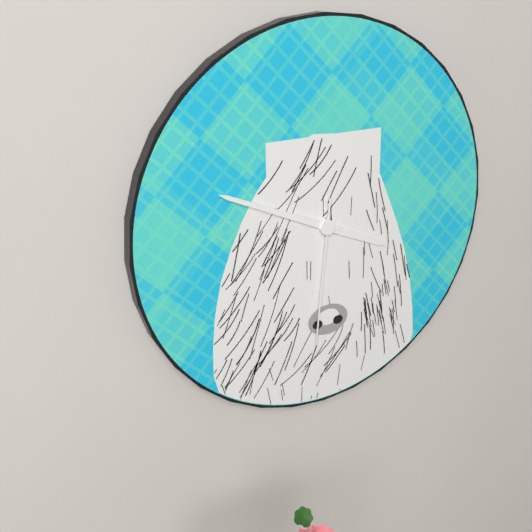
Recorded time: **3:49:31**
